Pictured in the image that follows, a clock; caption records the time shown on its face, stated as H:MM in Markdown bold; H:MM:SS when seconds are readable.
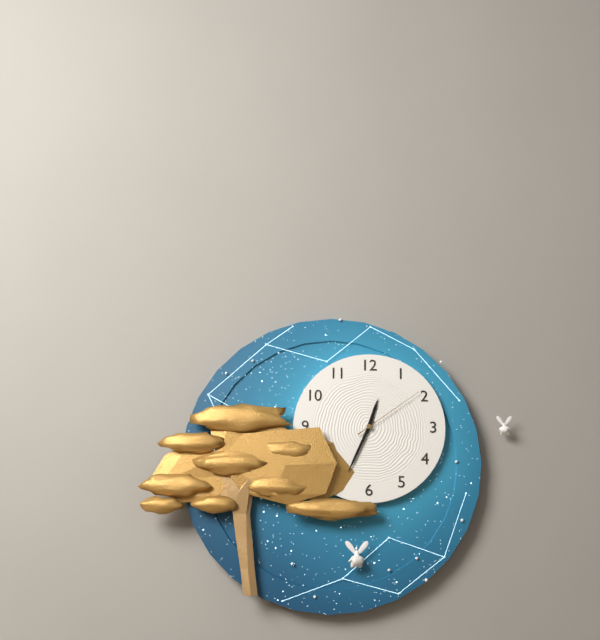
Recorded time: **12:34:09**
